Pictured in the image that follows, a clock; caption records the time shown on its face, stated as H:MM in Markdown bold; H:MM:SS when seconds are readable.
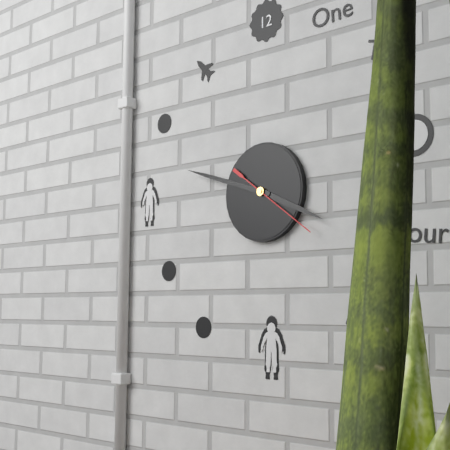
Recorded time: **3:48:21**
